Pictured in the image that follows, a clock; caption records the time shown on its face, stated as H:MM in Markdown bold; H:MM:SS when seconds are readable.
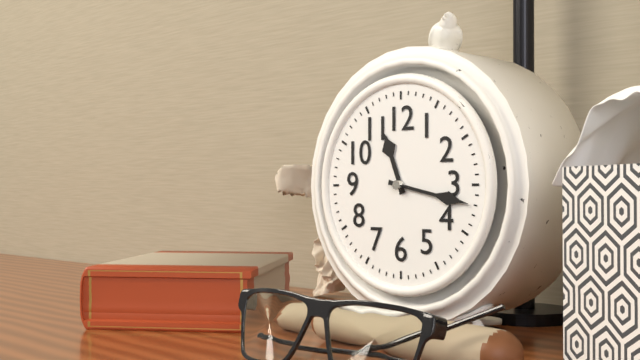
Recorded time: **11:17**
